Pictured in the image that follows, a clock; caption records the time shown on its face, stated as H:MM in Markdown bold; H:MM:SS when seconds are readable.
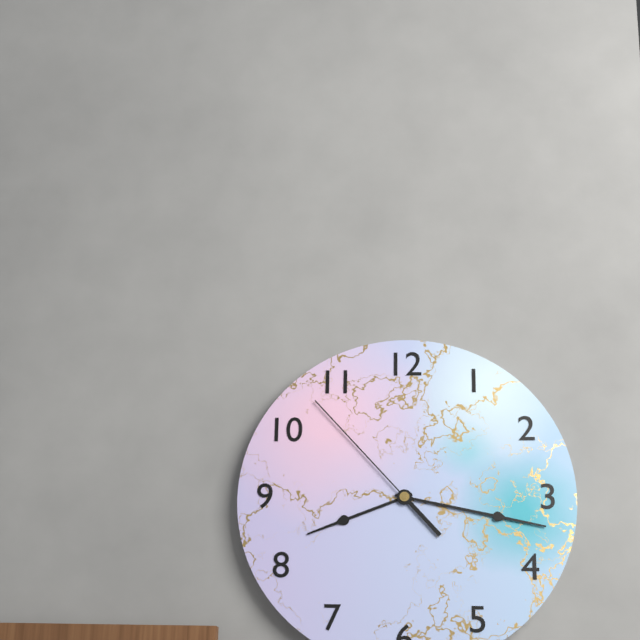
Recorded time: **8:17:53**
